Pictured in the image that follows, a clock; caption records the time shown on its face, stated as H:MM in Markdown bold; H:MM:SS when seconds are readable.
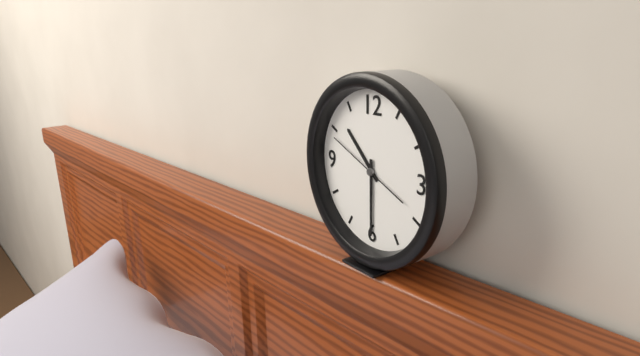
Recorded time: **10:30:49**
